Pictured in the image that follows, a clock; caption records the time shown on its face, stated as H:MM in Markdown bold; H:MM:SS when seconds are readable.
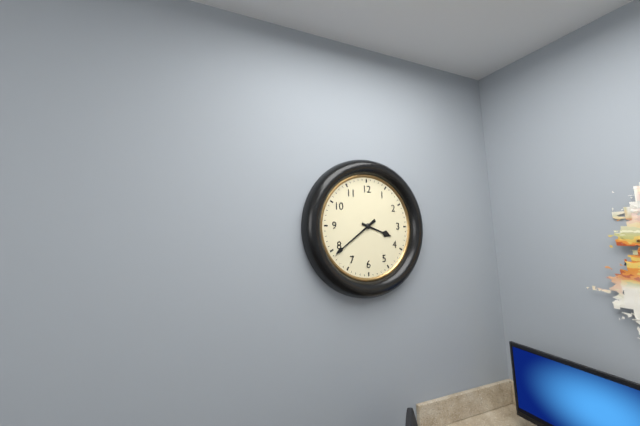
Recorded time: **3:39**
